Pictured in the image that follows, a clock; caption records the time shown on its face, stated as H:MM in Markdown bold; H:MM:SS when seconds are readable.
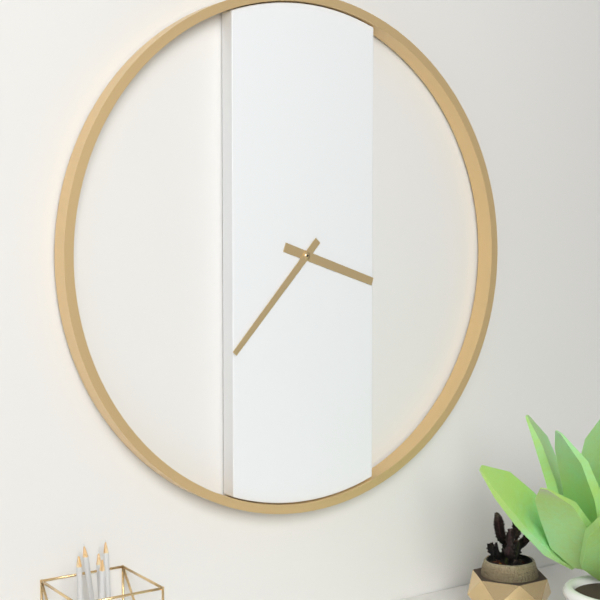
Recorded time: **3:37**
